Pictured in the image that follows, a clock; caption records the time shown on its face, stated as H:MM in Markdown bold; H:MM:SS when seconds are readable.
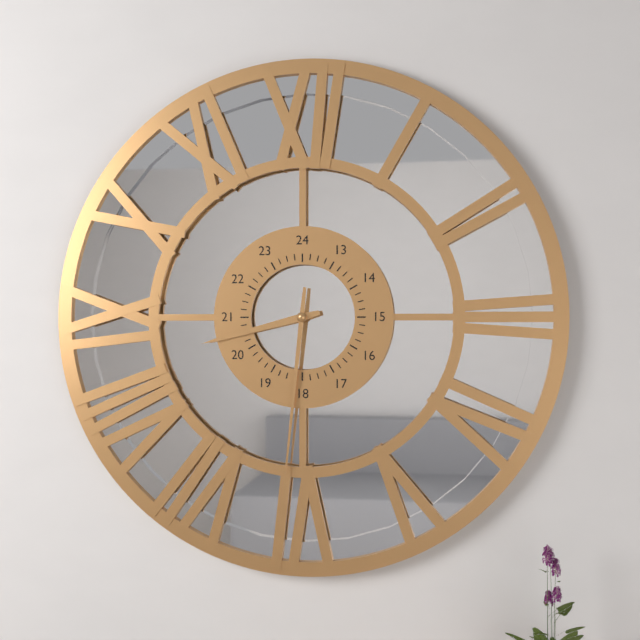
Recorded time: **8:31**
